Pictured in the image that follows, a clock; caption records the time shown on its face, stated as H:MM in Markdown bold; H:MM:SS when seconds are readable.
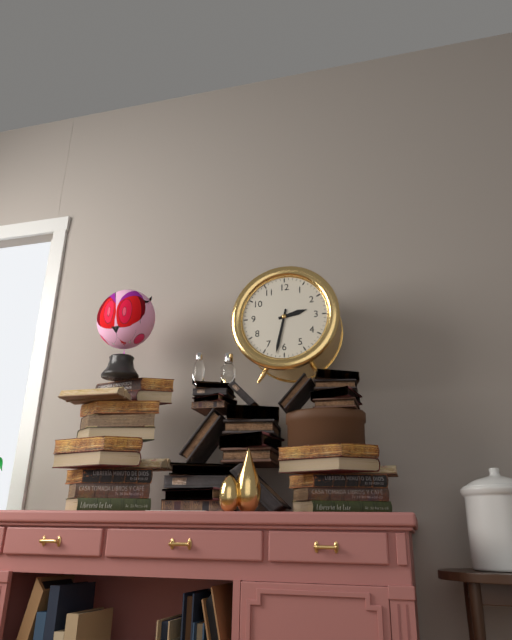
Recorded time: **2:32**
